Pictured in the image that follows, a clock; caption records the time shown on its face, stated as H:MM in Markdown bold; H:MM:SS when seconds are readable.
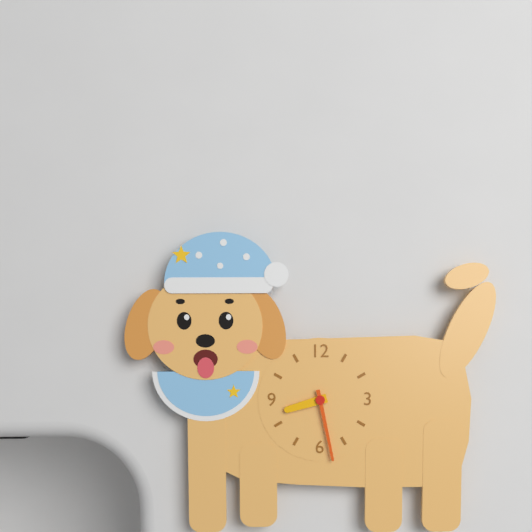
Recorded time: **8:28**
